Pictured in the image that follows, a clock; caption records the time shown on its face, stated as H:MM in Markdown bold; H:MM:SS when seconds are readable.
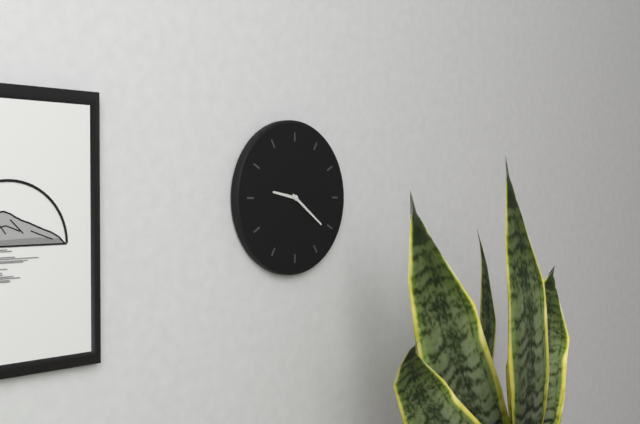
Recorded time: **9:21**
